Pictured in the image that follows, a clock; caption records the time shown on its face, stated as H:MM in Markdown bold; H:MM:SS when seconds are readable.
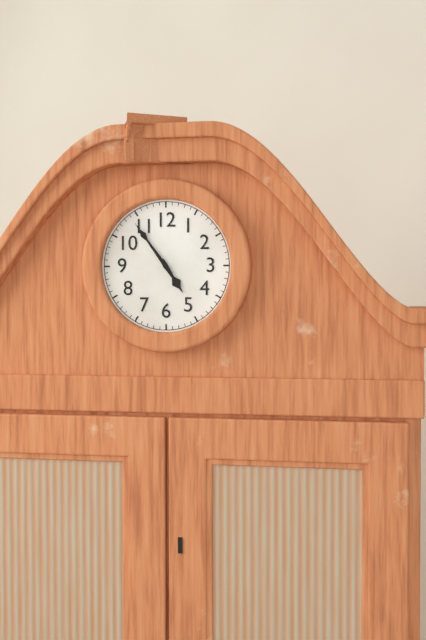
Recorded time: **4:54**
